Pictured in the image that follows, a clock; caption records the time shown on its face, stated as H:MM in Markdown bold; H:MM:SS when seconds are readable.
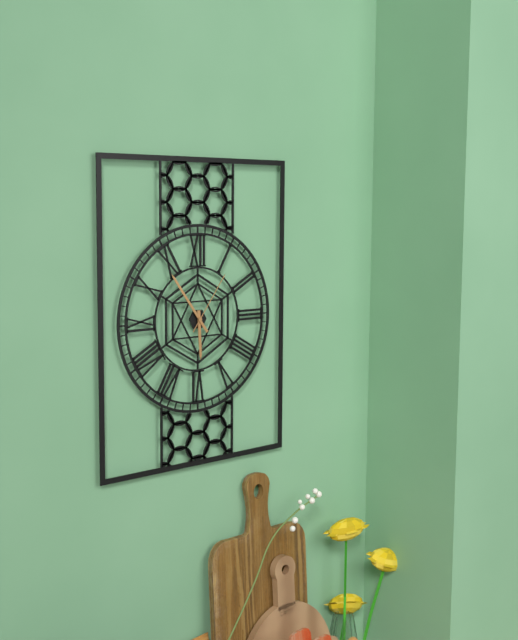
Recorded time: **5:54:06**
